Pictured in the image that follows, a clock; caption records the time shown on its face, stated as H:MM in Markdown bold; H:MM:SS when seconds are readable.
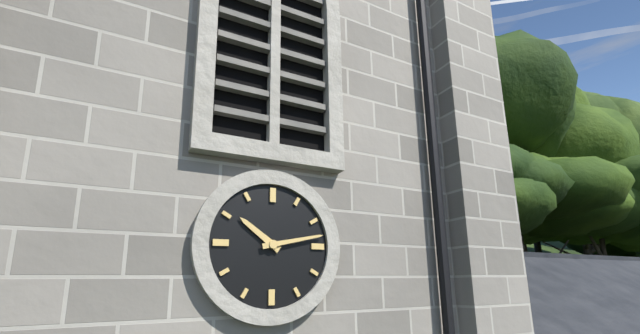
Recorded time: **10:13**
